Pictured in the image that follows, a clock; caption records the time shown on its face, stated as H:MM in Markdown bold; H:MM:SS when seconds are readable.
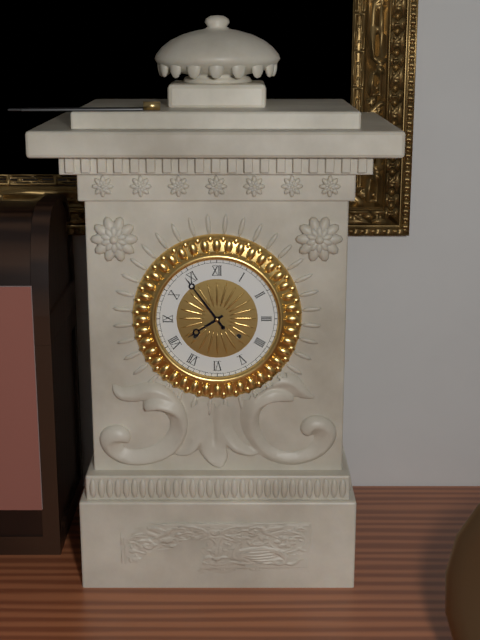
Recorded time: **7:54**
